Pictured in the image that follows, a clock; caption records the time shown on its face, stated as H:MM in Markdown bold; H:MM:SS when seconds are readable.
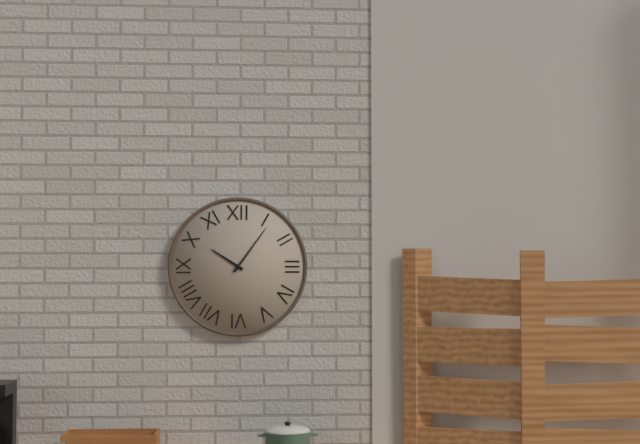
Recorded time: **10:06**
